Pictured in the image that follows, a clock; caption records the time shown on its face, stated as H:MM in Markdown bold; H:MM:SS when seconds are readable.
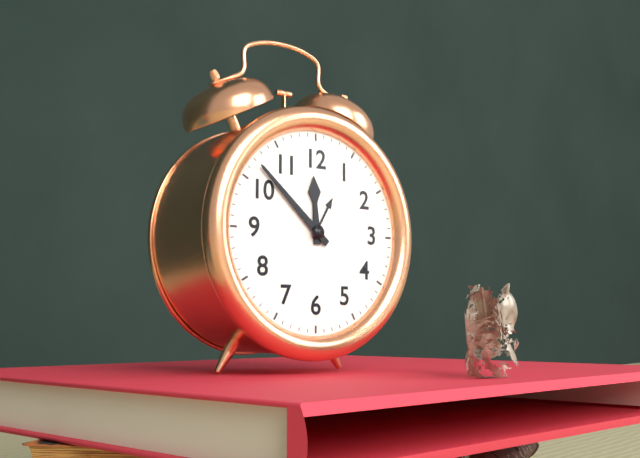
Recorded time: **11:52**
